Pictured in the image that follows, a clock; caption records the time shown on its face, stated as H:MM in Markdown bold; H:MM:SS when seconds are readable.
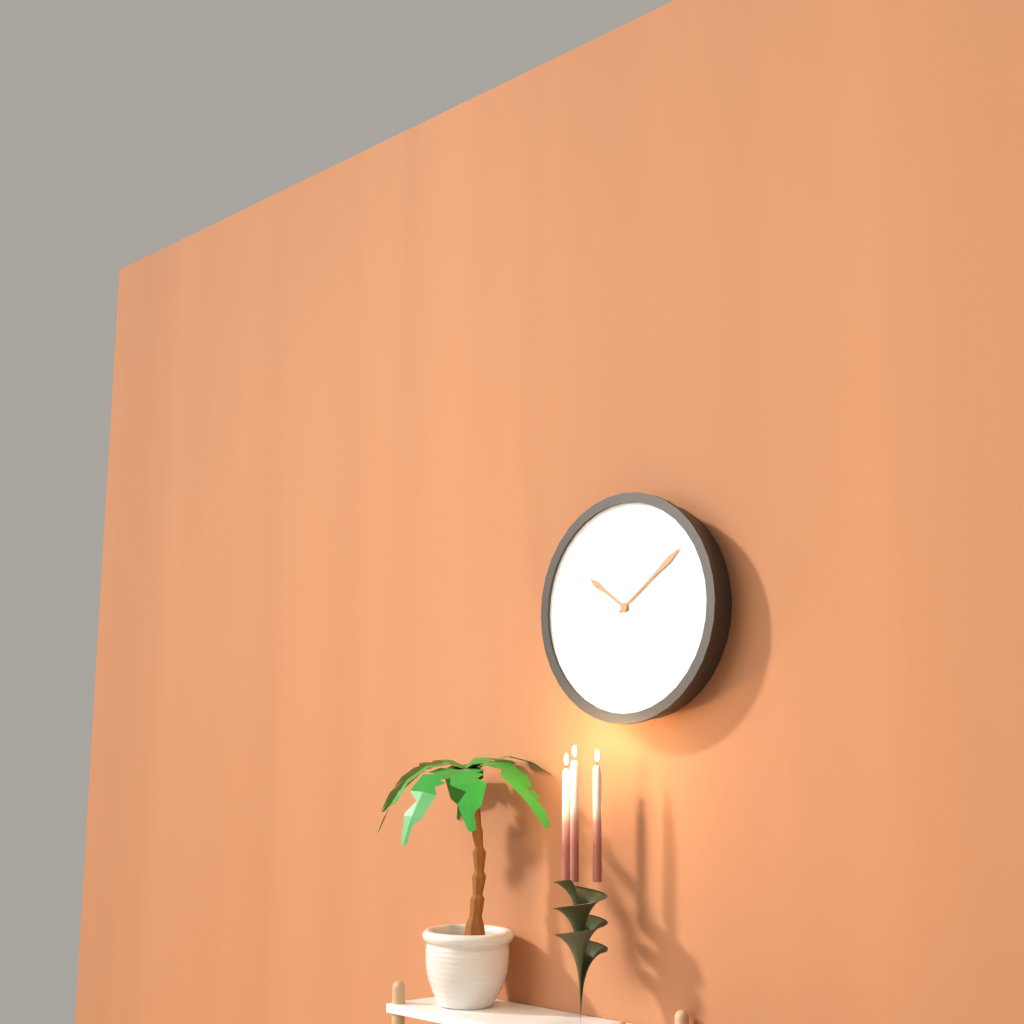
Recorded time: **10:09**
